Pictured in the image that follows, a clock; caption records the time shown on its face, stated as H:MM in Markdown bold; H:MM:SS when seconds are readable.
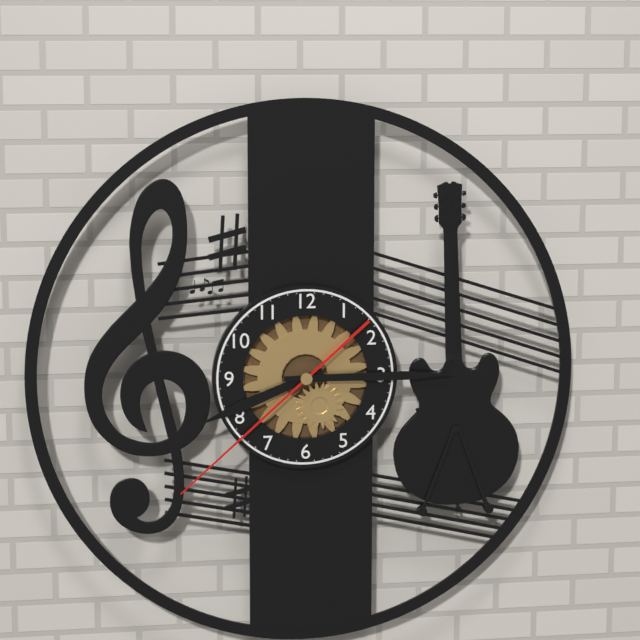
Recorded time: **8:15:38**
